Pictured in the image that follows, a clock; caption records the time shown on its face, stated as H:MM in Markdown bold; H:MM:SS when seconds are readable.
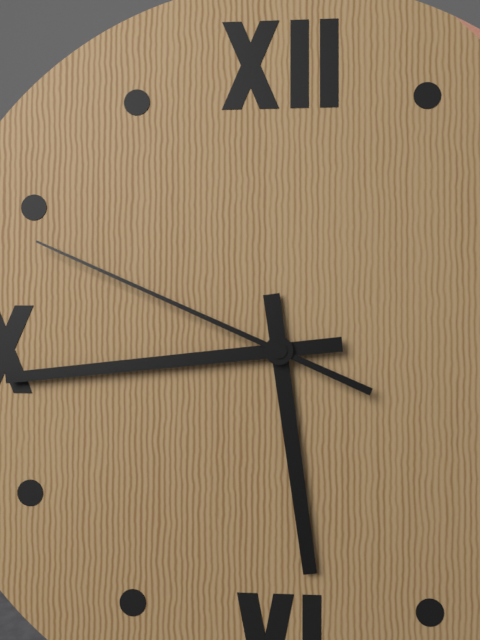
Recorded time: **5:44:49**
